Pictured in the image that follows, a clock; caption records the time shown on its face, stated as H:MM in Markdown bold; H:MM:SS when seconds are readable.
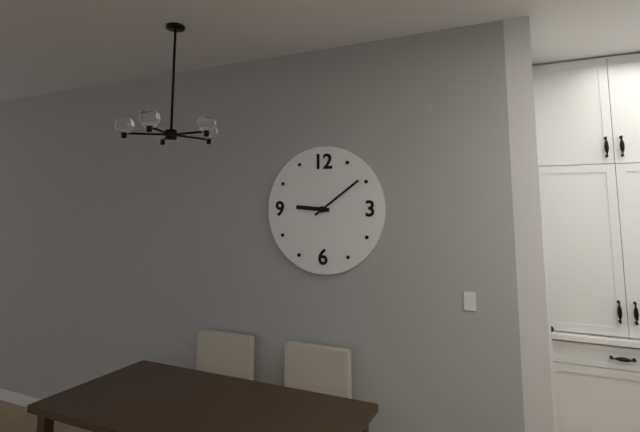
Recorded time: **9:09**
